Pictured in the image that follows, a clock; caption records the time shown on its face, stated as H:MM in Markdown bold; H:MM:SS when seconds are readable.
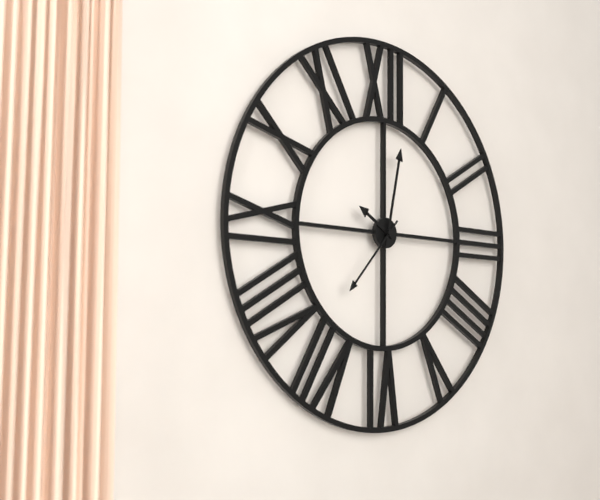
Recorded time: **10:02:37**
